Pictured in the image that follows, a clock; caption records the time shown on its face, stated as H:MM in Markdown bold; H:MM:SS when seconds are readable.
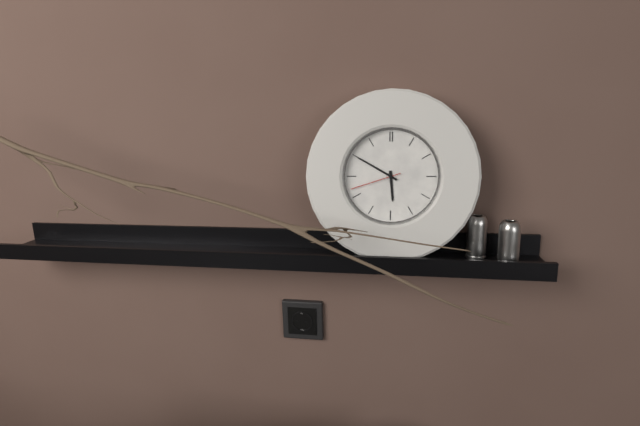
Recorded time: **5:50:42**
